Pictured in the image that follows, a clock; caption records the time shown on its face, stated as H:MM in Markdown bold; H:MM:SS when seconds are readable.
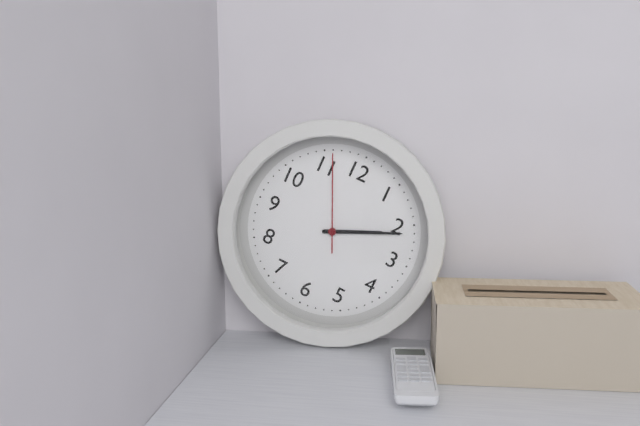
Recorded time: **2:11:56**
